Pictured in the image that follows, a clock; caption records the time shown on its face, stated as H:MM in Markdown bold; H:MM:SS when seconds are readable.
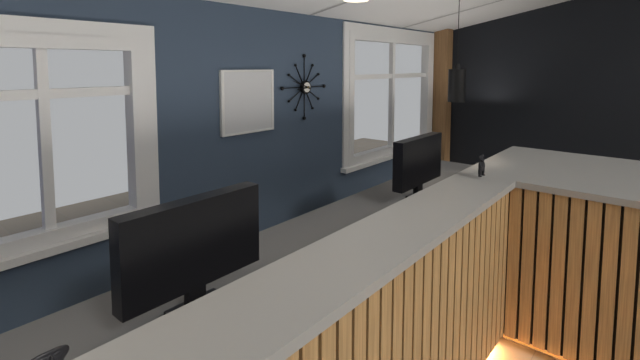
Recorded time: **8:48**
